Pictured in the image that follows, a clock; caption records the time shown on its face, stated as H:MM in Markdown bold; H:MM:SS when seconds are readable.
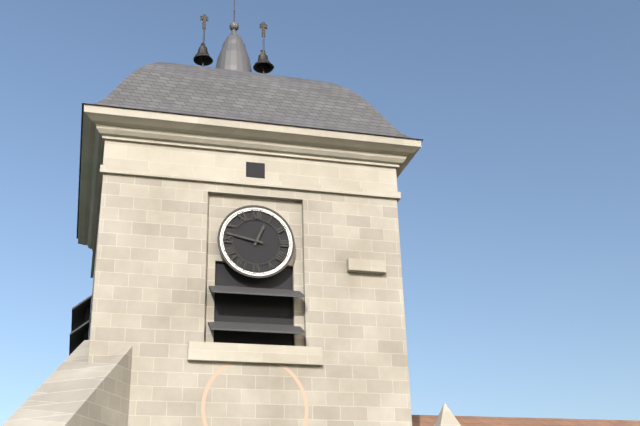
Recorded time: **12:47**
